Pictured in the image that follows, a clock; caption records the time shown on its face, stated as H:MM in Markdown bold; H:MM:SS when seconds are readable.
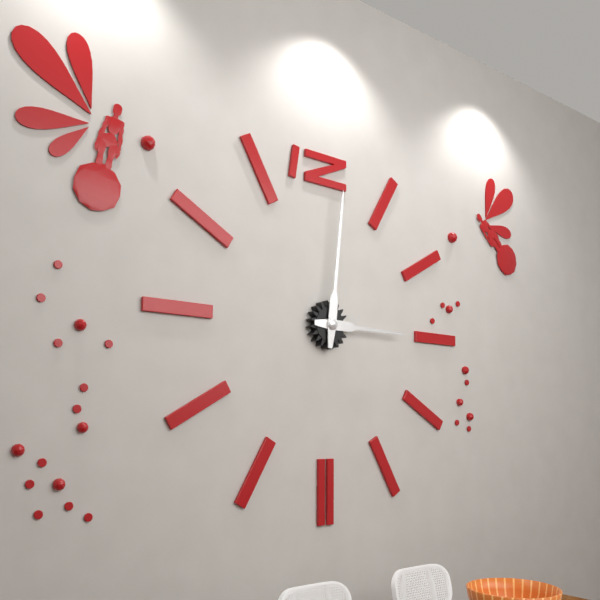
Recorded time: **3:01**
